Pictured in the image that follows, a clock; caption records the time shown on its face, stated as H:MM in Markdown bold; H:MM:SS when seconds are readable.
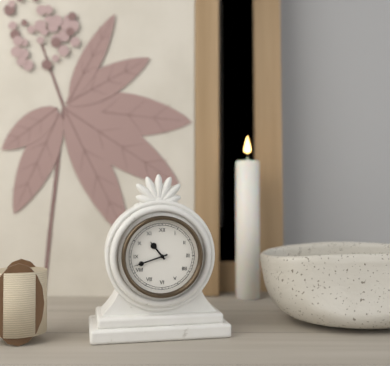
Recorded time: **10:42**
